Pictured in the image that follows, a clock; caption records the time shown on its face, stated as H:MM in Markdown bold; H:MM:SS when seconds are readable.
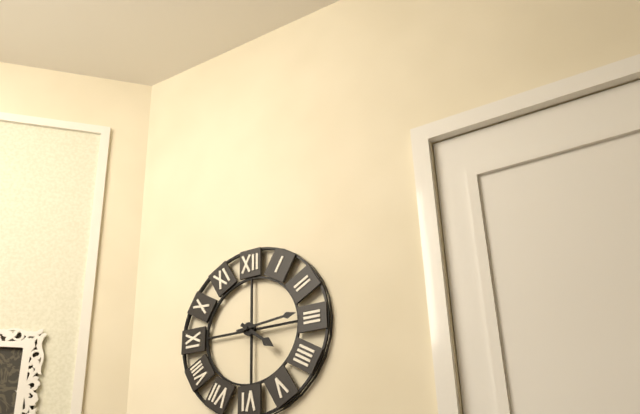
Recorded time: **4:14**
